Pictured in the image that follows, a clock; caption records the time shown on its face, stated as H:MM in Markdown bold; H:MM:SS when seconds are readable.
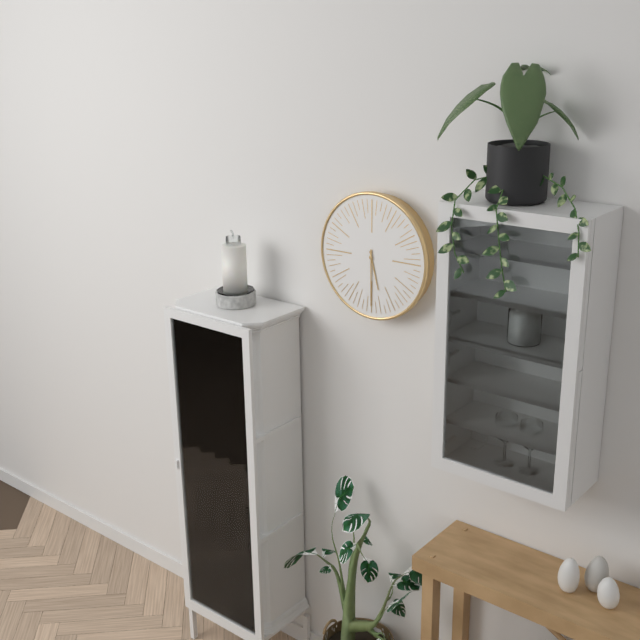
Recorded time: **5:30**
